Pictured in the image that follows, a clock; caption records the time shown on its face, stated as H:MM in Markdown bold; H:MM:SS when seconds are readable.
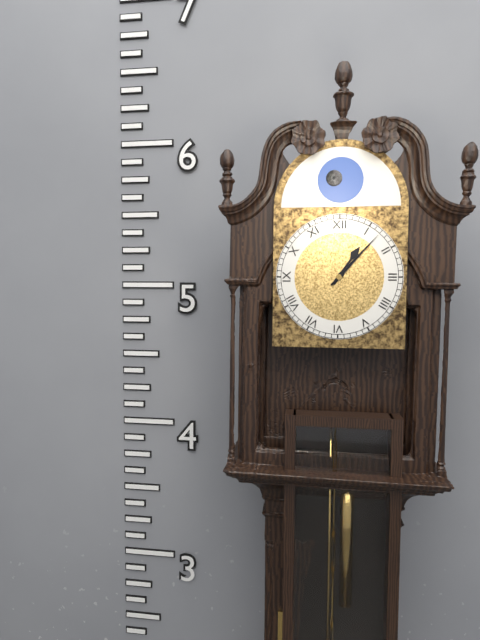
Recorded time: **1:07**
